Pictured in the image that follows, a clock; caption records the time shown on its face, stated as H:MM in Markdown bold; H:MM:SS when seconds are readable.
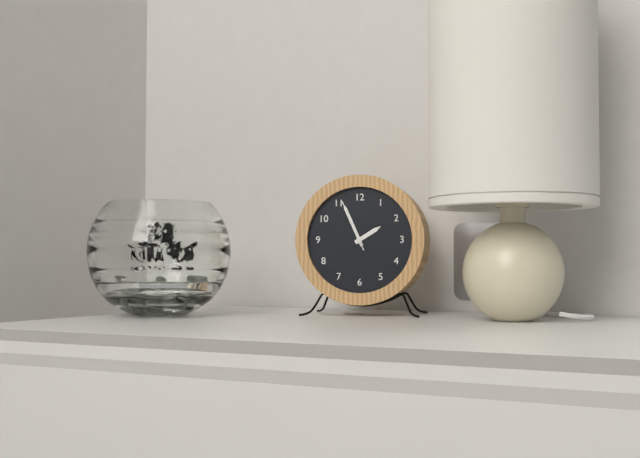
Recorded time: **1:56:56**
